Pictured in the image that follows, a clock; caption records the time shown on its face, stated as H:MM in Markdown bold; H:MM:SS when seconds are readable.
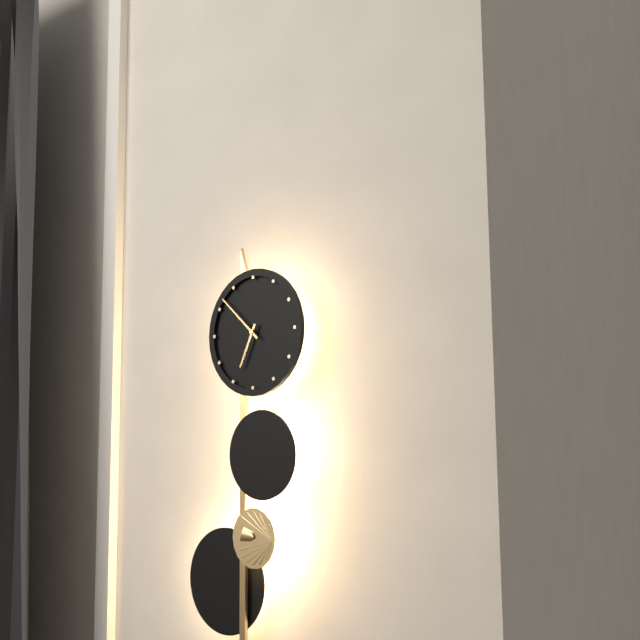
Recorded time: **6:52**
